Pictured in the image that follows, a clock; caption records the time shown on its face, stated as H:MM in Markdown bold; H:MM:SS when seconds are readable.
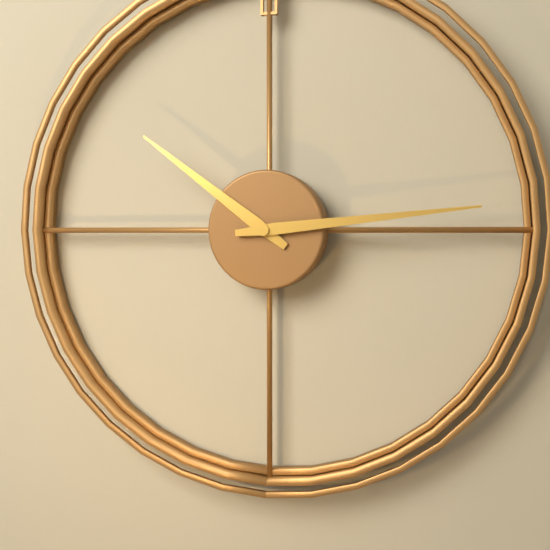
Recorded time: **10:14**
